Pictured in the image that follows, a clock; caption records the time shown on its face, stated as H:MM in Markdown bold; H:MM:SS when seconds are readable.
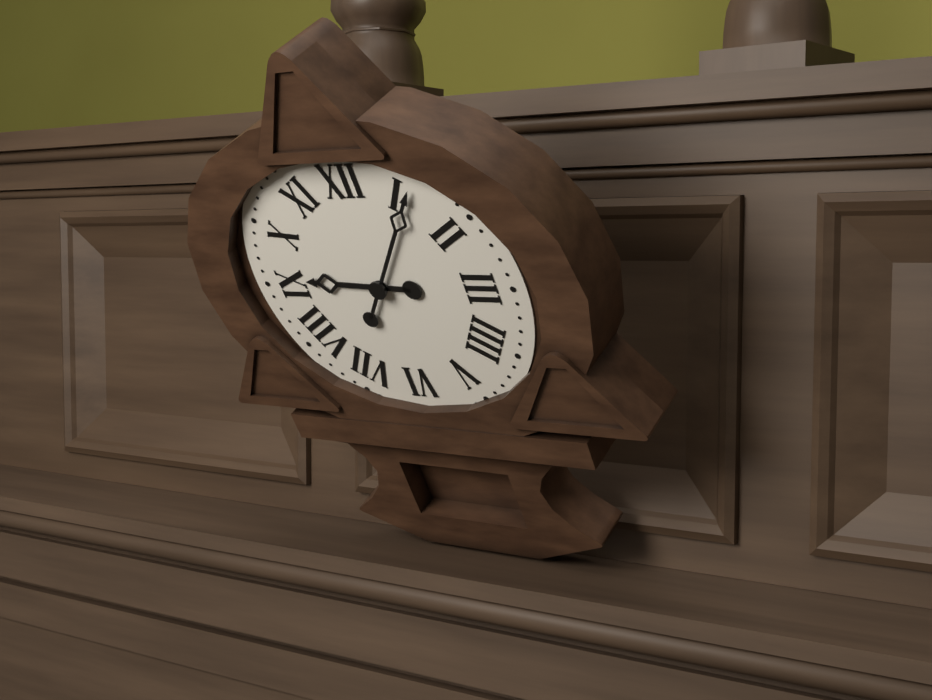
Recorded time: **9:06**
